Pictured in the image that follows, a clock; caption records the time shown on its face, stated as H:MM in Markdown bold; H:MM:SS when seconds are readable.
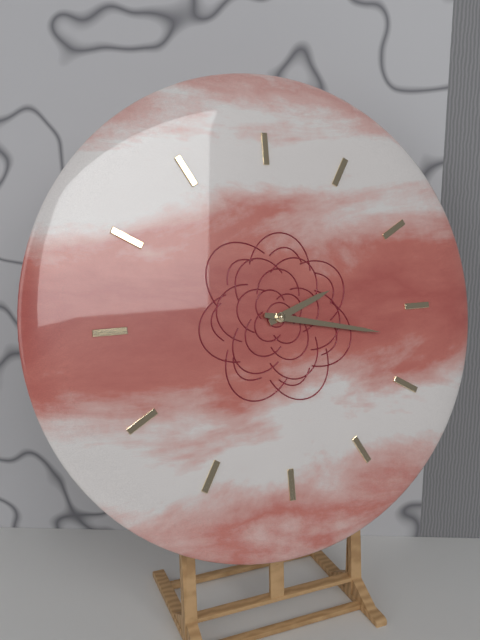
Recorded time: **2:17**
